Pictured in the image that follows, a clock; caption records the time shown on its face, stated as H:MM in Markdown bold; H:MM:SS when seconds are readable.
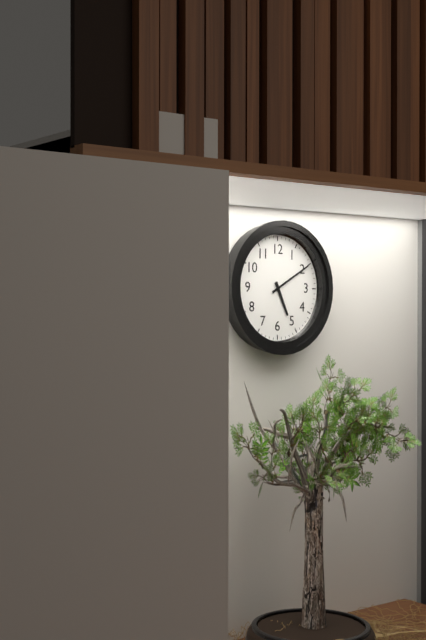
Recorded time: **5:10**
